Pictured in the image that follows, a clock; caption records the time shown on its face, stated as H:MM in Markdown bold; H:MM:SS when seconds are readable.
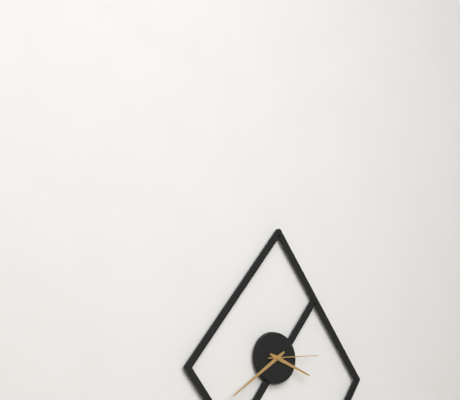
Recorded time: **3:39:14**
